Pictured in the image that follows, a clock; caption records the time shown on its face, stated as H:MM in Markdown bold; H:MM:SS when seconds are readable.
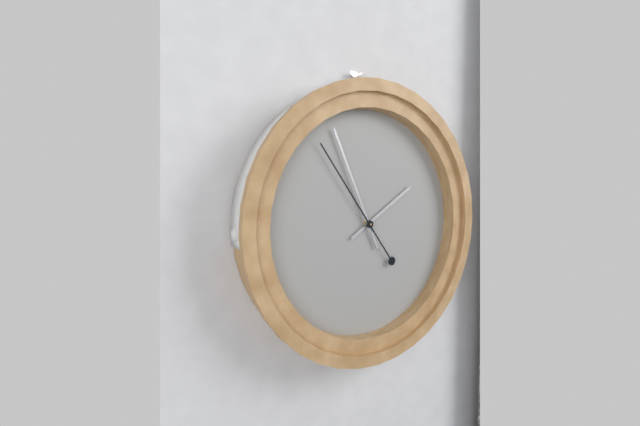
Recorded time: **1:56:54**
